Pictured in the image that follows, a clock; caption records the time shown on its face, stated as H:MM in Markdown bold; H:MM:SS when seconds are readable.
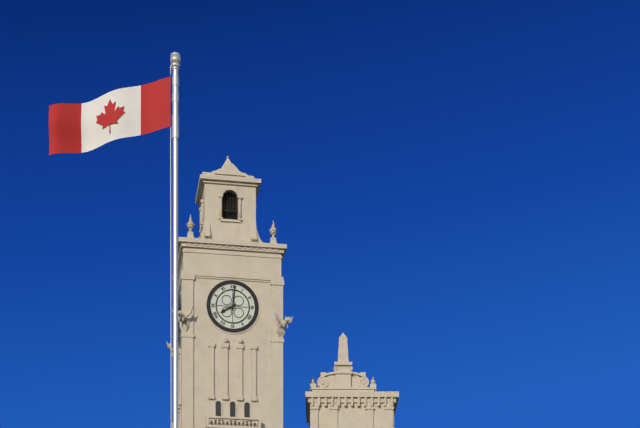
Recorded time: **8:01**
